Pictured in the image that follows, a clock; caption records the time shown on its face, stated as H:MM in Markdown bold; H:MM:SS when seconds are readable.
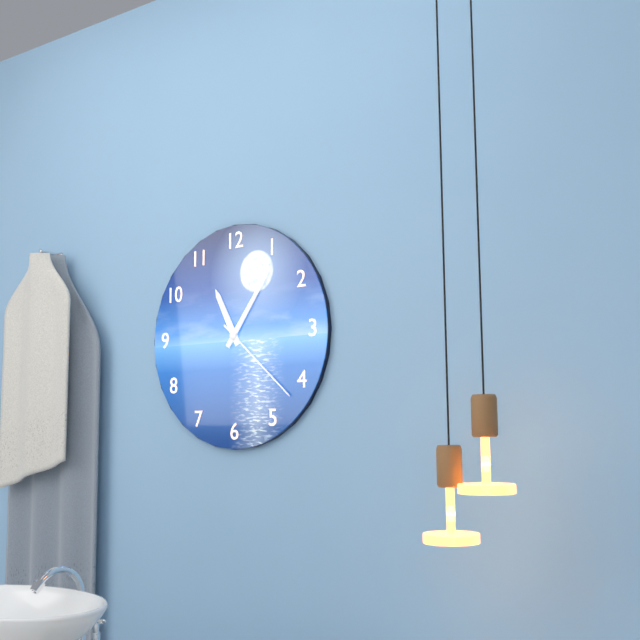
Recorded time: **11:06:22**
